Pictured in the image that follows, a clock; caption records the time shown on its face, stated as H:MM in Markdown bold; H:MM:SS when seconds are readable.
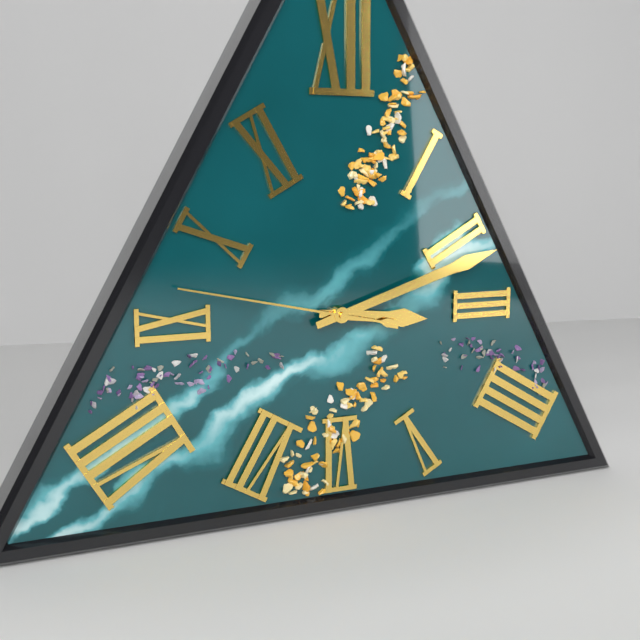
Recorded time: **3:12:47**
